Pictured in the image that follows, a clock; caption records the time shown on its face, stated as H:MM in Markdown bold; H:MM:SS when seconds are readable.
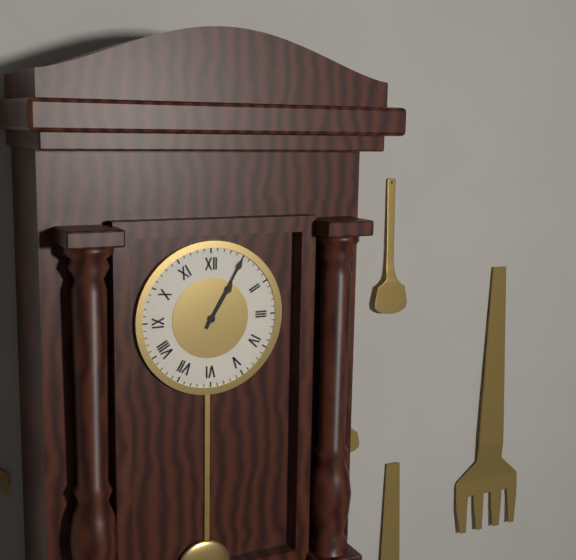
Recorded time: **1:05**
